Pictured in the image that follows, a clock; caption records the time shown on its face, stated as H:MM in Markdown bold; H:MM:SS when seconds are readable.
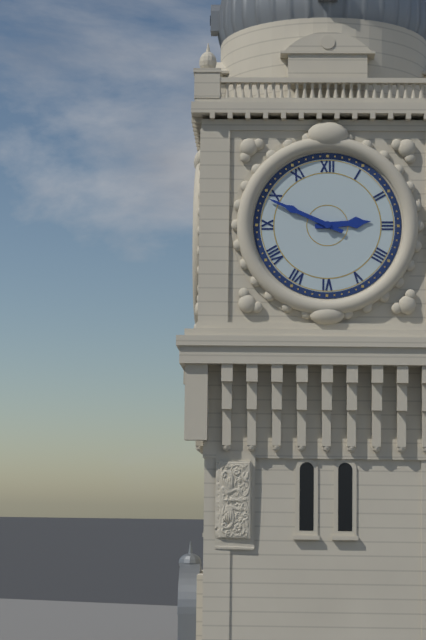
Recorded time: **2:49**
